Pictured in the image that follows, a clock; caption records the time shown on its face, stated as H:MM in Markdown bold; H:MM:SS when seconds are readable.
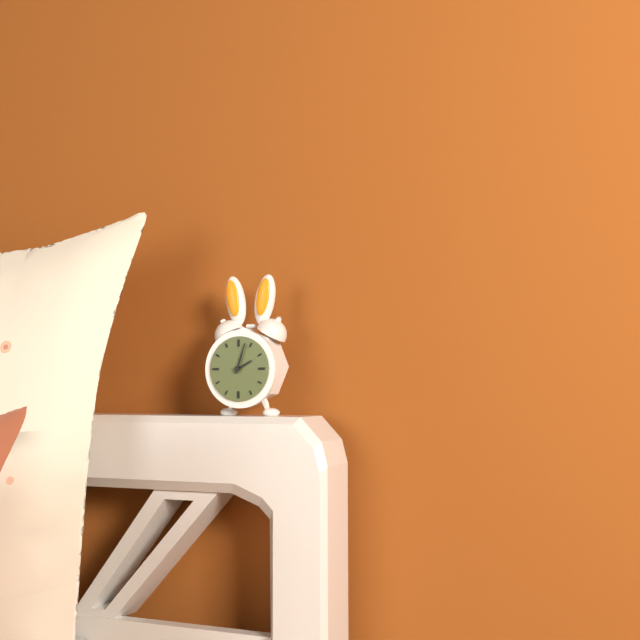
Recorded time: **2:03**
